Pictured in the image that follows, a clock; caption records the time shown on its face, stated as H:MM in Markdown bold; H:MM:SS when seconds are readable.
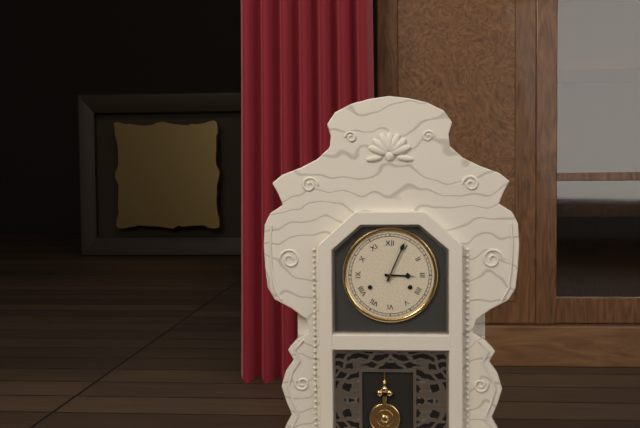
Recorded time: **3:04**
